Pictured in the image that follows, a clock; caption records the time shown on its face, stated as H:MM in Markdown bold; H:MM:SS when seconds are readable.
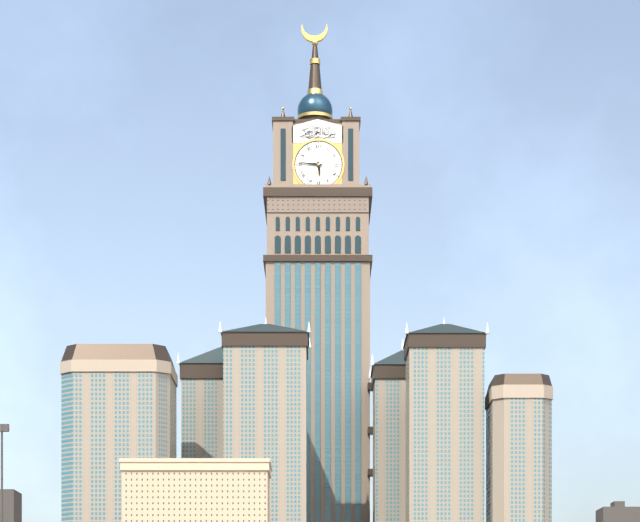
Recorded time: **5:46**
